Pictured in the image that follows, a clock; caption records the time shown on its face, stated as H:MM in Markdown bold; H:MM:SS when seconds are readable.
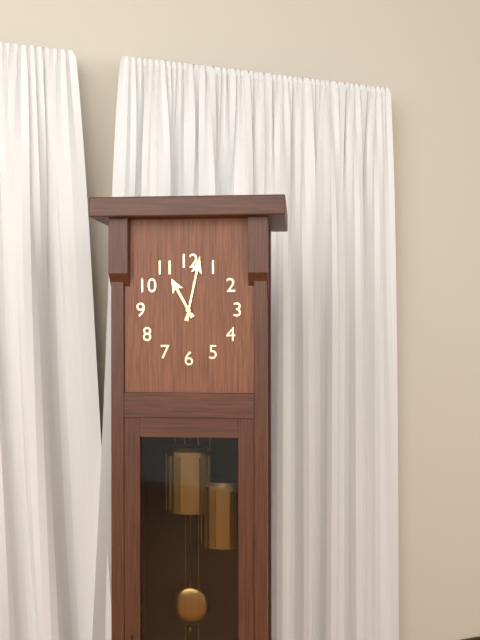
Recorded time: **11:02**
